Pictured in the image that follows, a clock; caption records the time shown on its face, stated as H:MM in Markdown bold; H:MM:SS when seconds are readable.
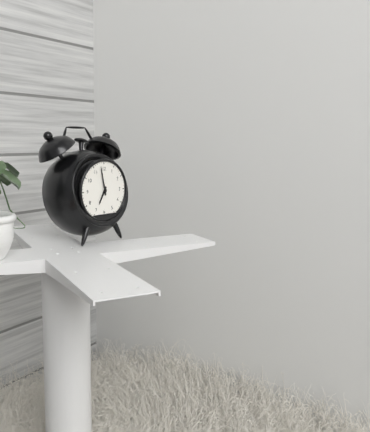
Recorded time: **6:58**
